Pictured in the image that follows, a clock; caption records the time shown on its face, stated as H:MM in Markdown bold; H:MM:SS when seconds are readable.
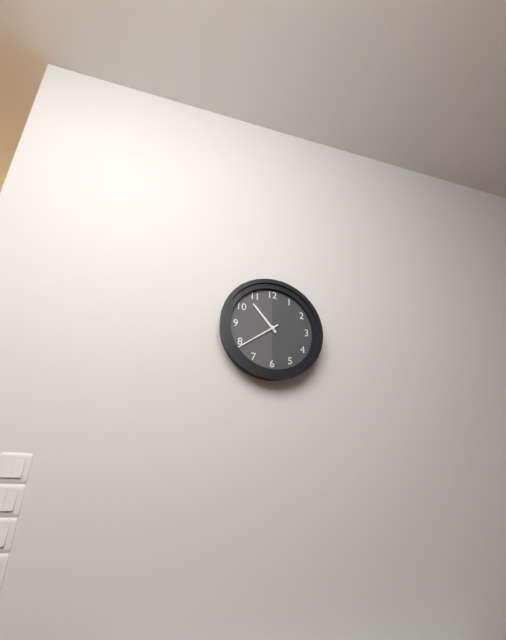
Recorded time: **10:39**
